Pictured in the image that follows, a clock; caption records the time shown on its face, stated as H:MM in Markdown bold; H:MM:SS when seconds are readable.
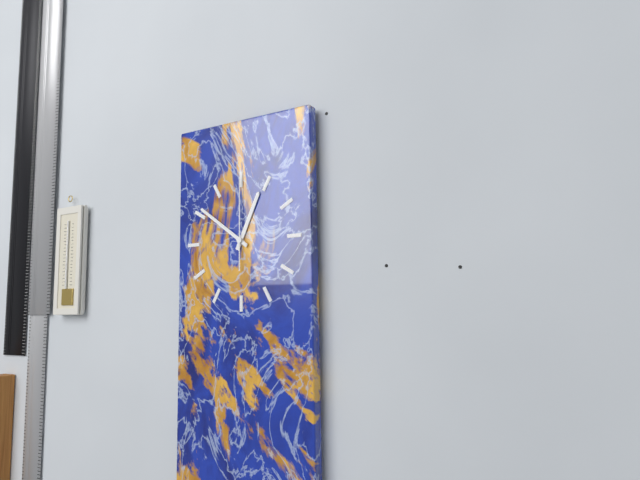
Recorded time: **12:51:00**
